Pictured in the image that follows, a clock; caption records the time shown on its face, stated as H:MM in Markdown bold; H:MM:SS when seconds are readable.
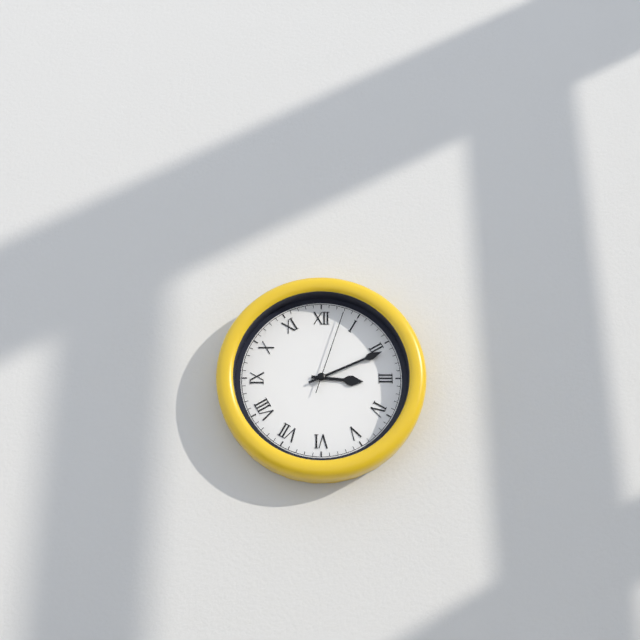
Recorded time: **3:11:03**
